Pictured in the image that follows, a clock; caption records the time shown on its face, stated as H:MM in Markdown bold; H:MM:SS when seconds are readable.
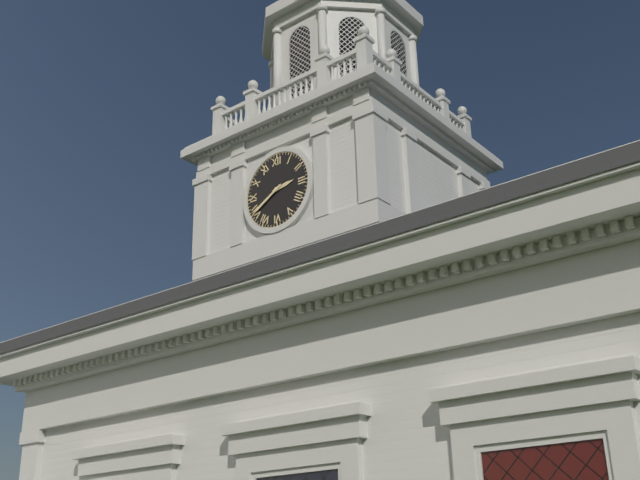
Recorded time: **2:40**
